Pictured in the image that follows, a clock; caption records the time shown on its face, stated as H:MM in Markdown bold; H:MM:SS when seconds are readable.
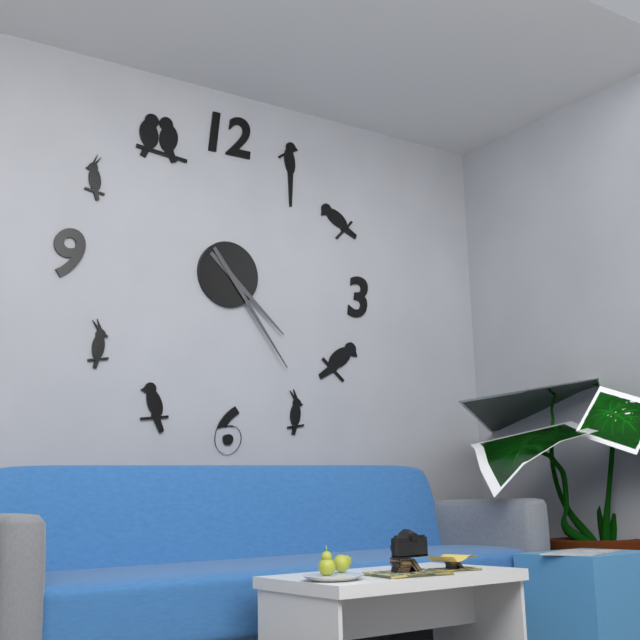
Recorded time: **4:24**
